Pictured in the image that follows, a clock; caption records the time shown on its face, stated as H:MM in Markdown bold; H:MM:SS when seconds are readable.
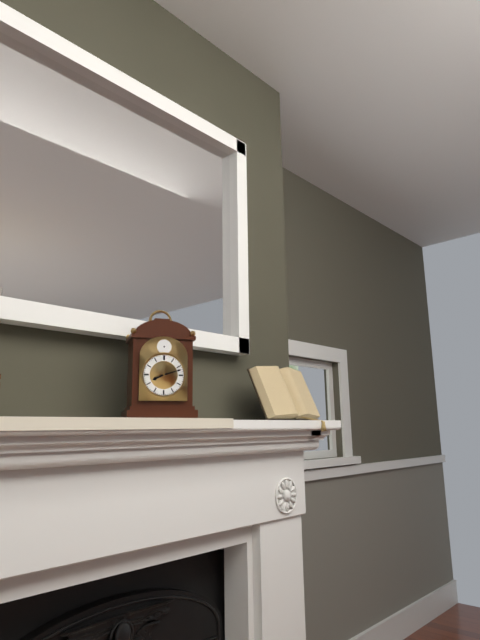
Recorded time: **8:12**
